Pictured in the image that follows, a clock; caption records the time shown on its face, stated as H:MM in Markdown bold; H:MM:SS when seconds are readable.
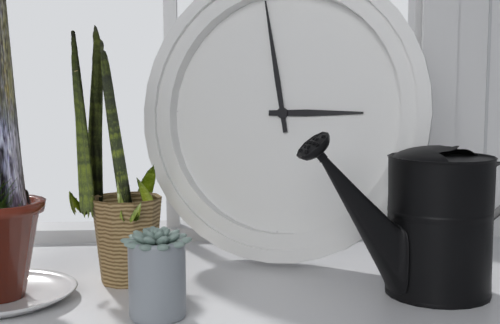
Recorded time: **2:58**
